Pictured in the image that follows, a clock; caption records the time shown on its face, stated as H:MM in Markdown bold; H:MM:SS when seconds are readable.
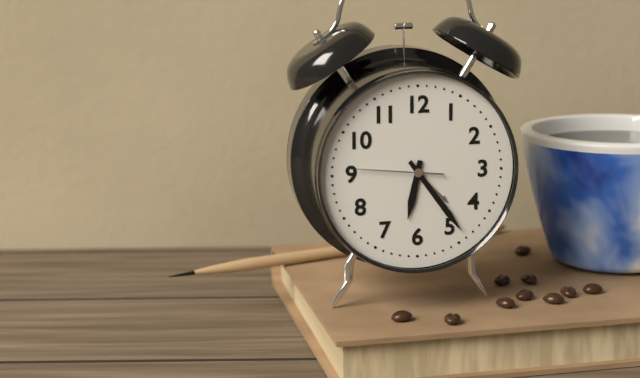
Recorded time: **6:24:46**
